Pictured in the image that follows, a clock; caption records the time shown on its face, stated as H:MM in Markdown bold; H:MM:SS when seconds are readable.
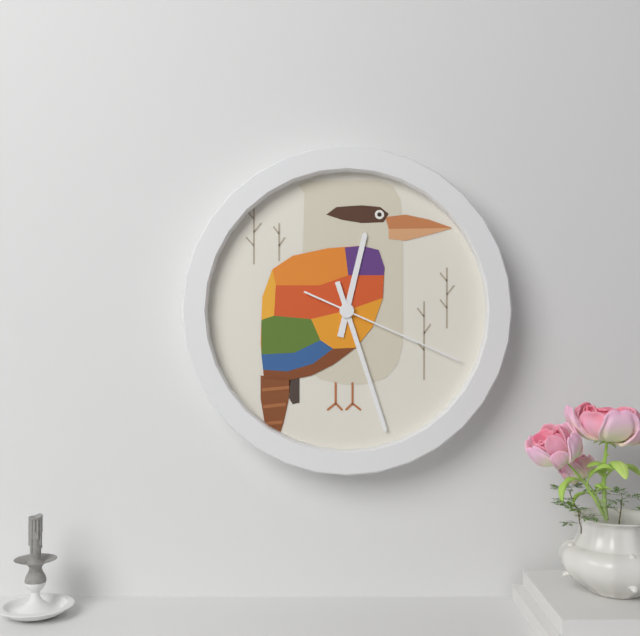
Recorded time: **12:27:19**
